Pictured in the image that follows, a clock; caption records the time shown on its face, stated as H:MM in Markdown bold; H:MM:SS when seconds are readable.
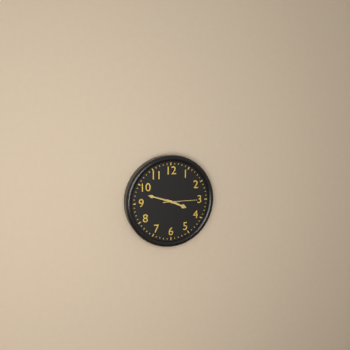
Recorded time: **3:48**
